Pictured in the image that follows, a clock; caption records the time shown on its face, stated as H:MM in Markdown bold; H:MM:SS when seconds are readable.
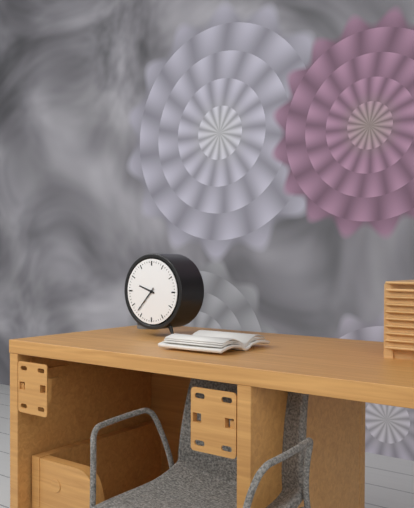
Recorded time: **9:37**
